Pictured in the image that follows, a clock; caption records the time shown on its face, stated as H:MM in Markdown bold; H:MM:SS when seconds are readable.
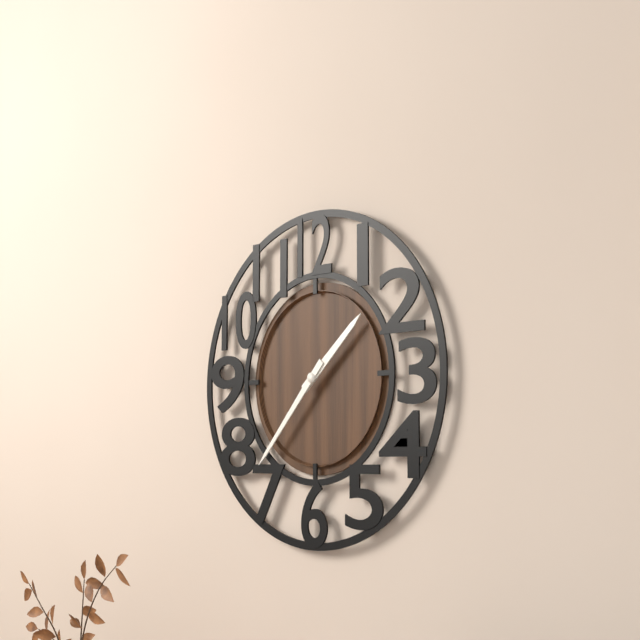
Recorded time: **1:37**
